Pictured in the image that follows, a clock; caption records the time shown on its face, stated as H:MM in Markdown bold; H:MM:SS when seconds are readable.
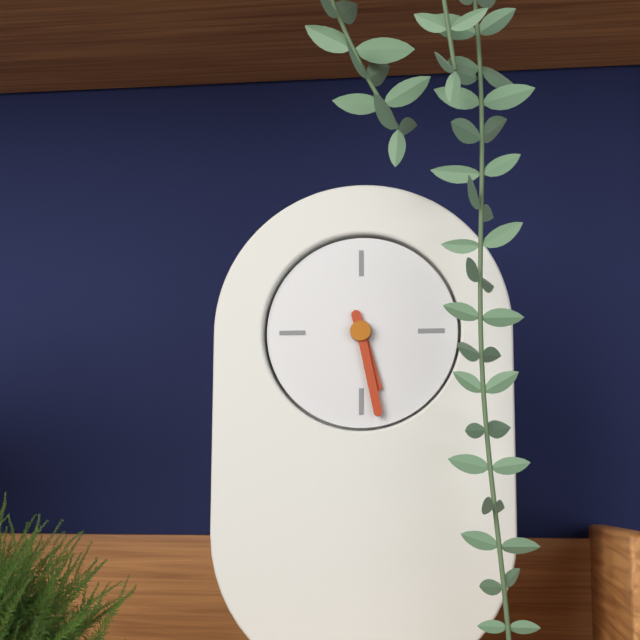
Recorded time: **5:28**
